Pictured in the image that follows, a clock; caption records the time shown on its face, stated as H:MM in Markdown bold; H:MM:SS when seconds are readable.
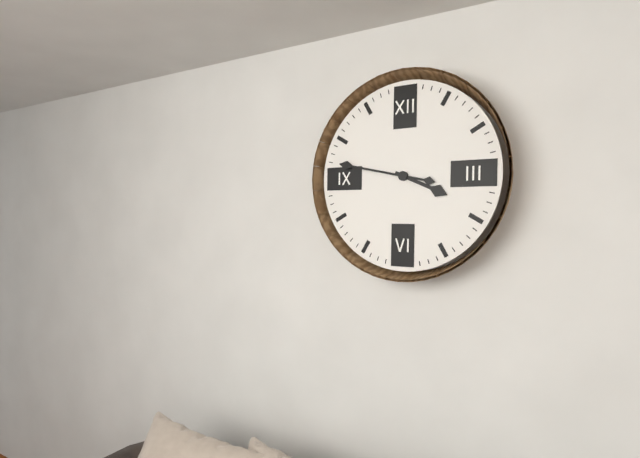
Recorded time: **3:47**
